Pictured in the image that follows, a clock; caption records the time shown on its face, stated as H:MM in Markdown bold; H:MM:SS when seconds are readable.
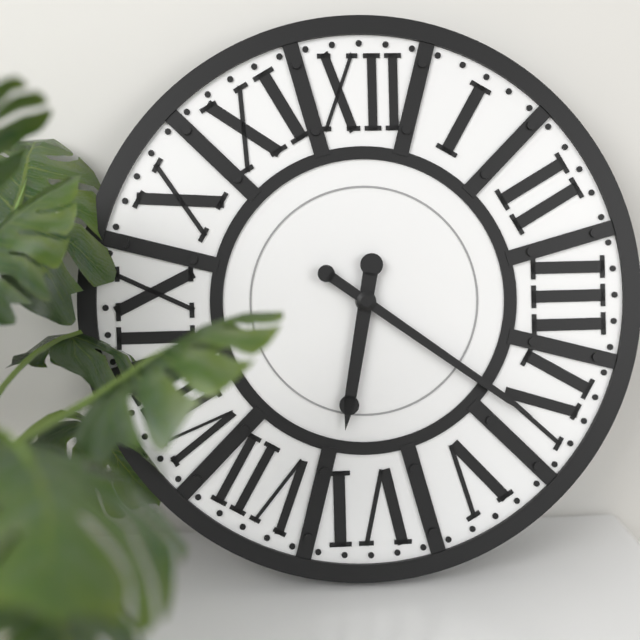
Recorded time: **6:21**
